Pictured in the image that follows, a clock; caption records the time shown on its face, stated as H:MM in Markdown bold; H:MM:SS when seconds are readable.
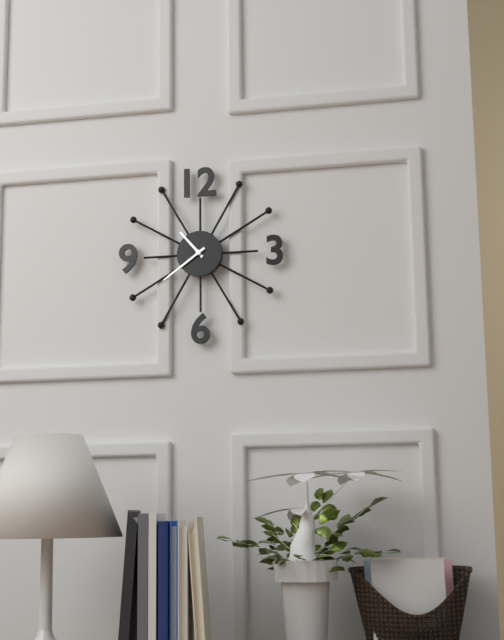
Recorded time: **10:39**
